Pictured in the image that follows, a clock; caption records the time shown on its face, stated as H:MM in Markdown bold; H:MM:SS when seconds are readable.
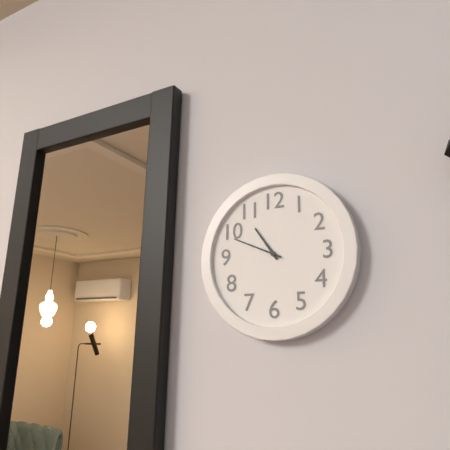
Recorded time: **10:49**
